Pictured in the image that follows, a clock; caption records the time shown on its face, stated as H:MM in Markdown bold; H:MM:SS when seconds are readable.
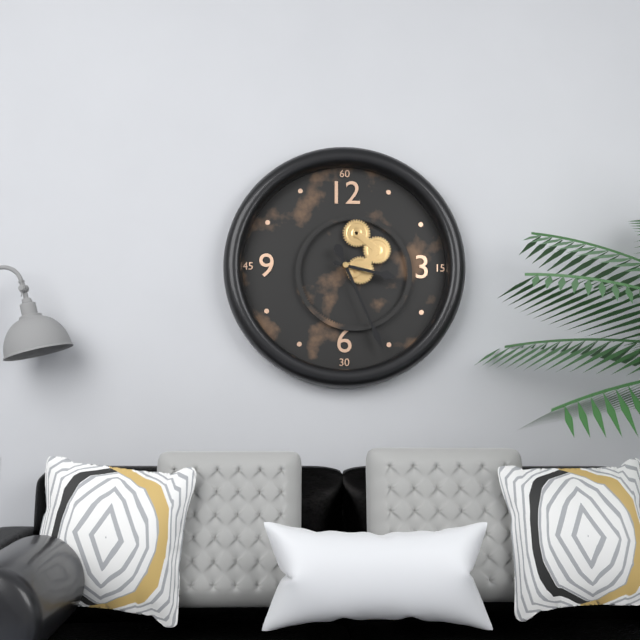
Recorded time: **3:26**
